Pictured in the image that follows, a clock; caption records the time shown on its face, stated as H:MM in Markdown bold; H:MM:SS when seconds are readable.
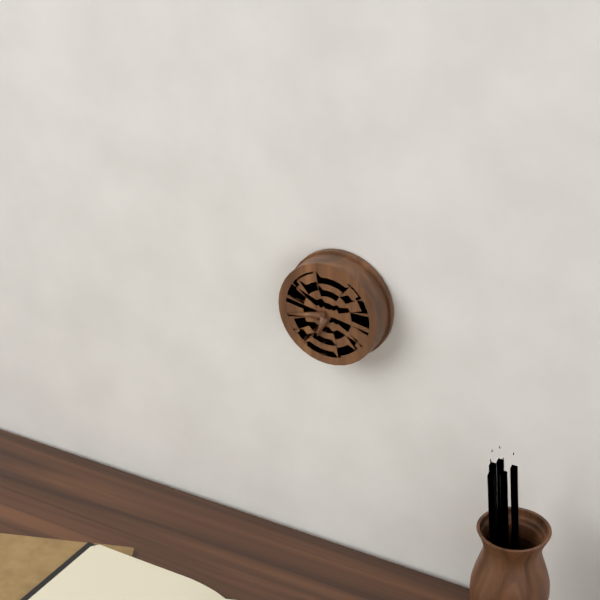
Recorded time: **6:43**
